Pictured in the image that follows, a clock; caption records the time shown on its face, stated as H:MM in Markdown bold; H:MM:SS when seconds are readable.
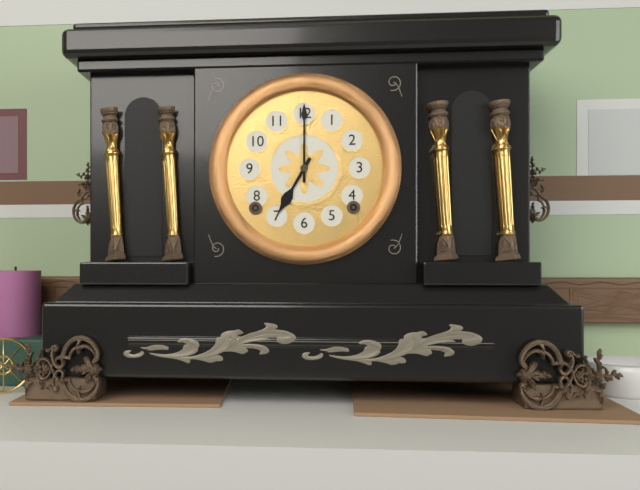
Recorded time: **7:00**
